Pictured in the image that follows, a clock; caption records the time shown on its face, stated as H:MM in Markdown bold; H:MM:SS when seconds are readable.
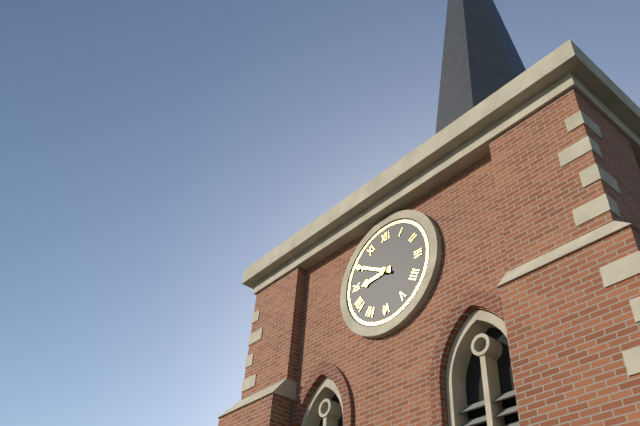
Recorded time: **8:50**
